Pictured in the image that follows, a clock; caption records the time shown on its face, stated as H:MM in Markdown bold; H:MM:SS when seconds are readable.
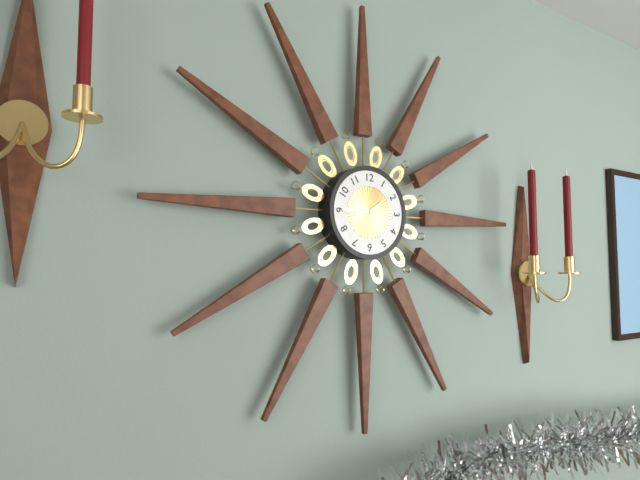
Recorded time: **1:45**
